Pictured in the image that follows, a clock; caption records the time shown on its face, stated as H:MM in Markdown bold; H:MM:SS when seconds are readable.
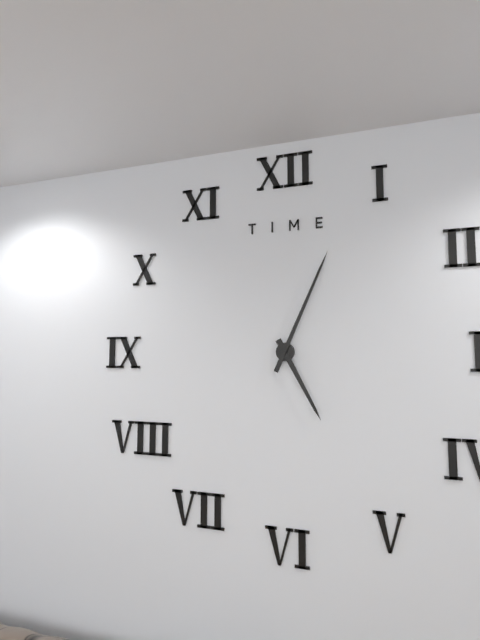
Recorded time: **5:04**
